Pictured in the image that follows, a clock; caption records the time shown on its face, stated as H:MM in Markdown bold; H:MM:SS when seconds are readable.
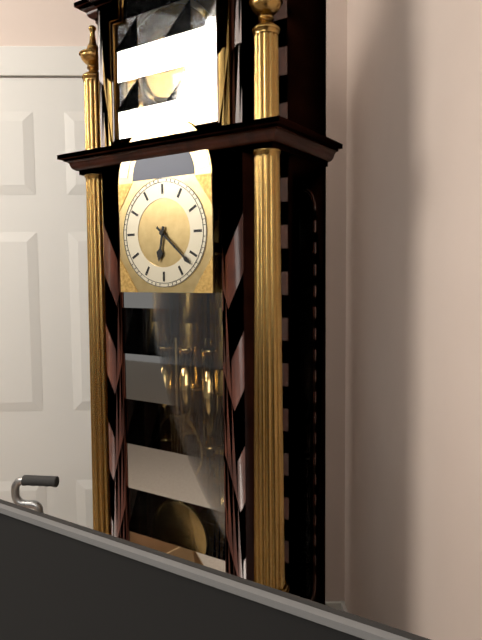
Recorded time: **6:22**
